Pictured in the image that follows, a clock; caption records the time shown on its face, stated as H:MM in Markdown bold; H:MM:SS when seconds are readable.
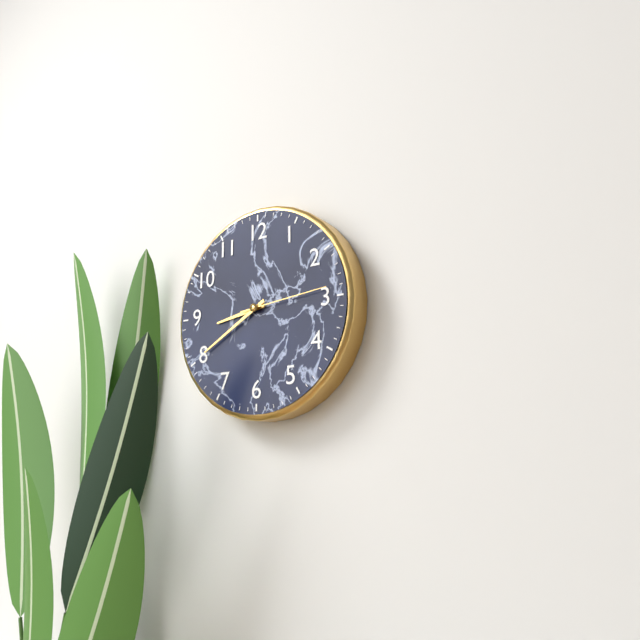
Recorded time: **8:40:14**
